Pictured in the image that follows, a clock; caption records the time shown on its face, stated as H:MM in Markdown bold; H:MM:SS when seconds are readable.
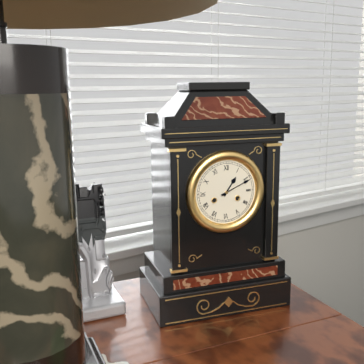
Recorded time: **1:11**
